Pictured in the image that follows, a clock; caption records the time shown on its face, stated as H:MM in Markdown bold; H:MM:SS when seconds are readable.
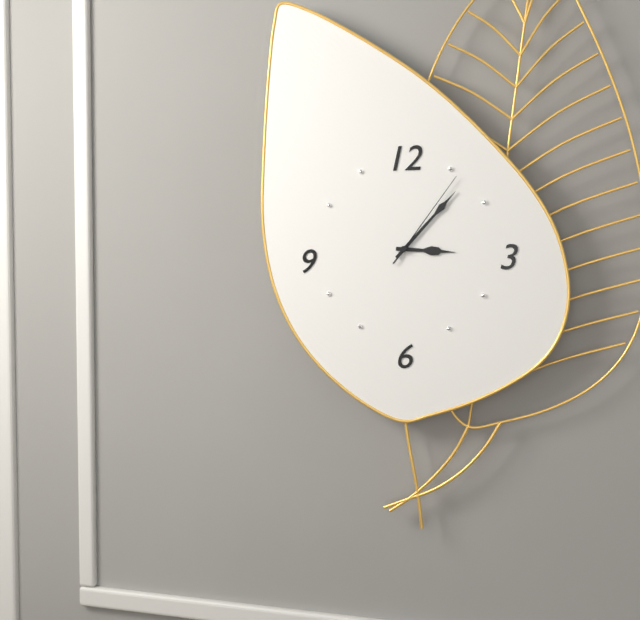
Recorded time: **3:07:06**
